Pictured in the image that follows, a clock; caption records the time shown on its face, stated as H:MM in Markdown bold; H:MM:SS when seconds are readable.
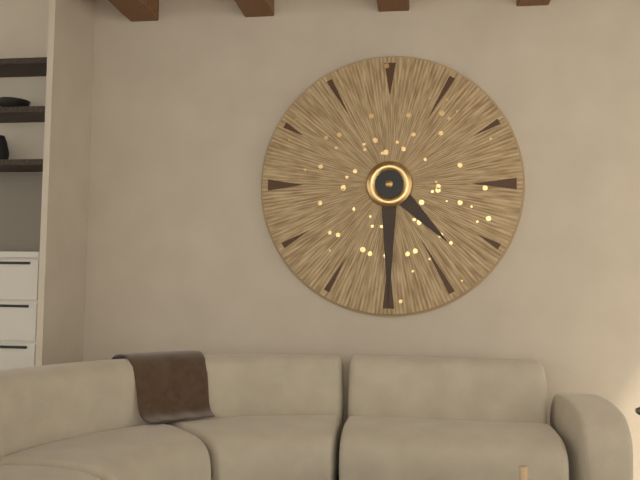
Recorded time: **4:30**
